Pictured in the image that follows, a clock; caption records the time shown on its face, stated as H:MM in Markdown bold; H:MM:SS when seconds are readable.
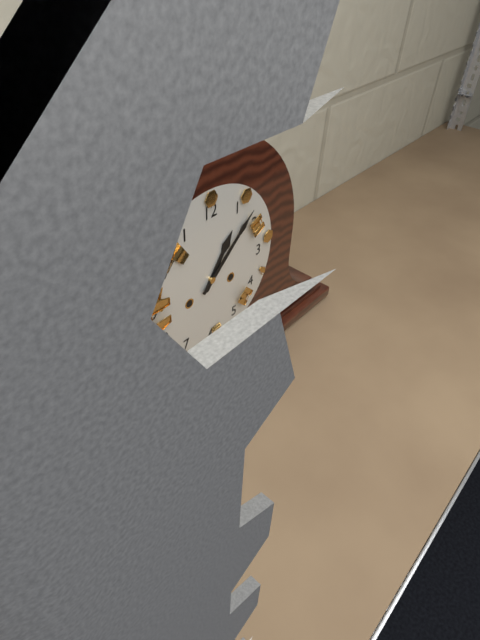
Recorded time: **1:08**
